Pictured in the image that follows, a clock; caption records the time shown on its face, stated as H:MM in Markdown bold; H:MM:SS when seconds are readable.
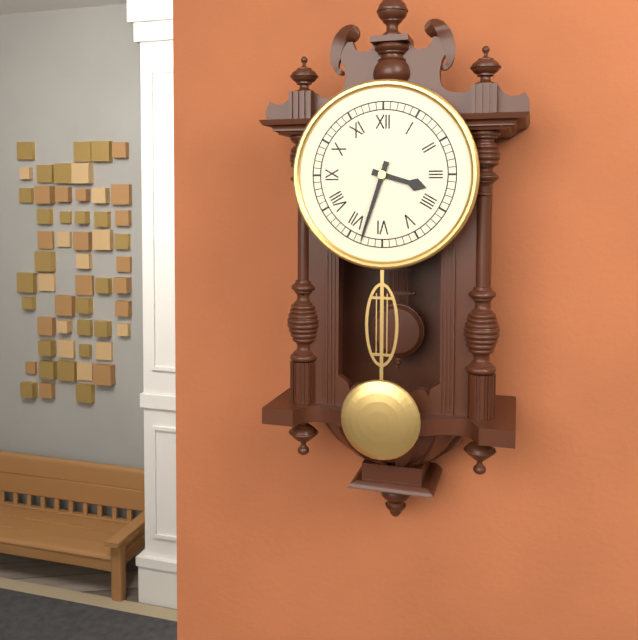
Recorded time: **3:33**
